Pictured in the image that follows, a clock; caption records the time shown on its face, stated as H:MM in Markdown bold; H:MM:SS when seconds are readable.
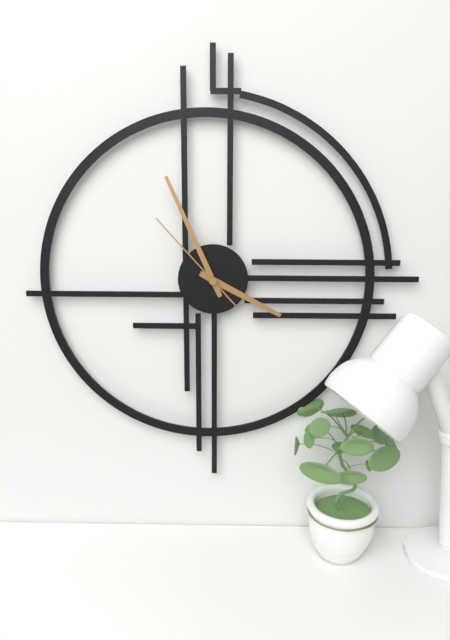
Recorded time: **3:56:53**
